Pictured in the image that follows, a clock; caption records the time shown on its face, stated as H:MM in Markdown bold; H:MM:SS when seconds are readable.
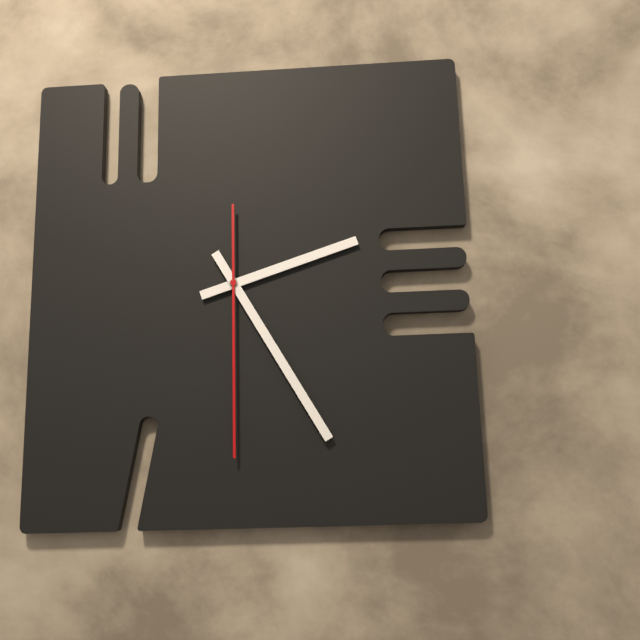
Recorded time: **2:25:30**
